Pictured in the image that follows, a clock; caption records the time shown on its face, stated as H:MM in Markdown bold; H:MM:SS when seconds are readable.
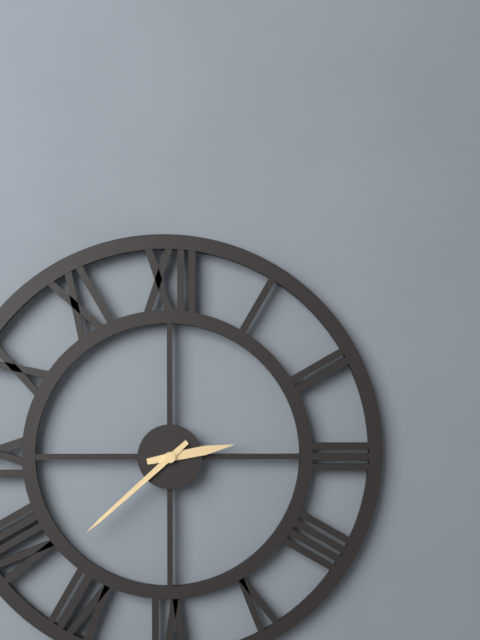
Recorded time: **2:38**
